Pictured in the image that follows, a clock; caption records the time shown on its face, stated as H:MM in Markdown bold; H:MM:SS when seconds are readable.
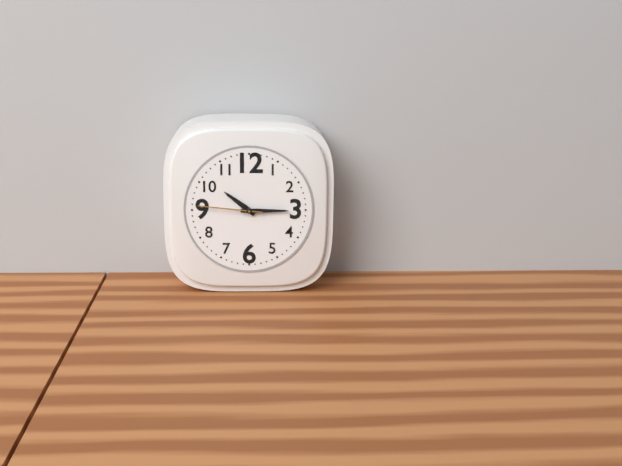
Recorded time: **10:15:46**
